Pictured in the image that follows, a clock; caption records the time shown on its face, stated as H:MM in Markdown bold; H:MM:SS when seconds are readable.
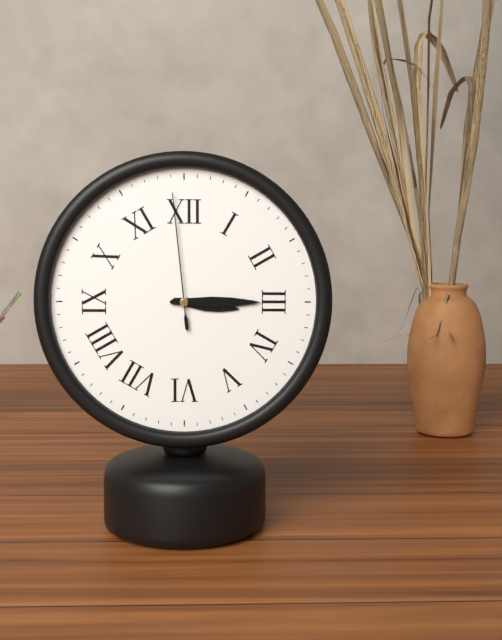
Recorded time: **3:15:59**
